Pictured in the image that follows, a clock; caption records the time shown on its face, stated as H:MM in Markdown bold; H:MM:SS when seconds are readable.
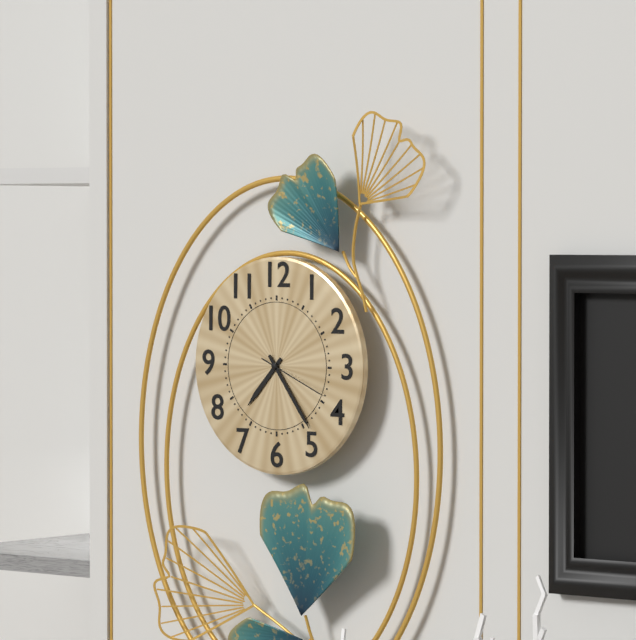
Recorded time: **7:24:19**
